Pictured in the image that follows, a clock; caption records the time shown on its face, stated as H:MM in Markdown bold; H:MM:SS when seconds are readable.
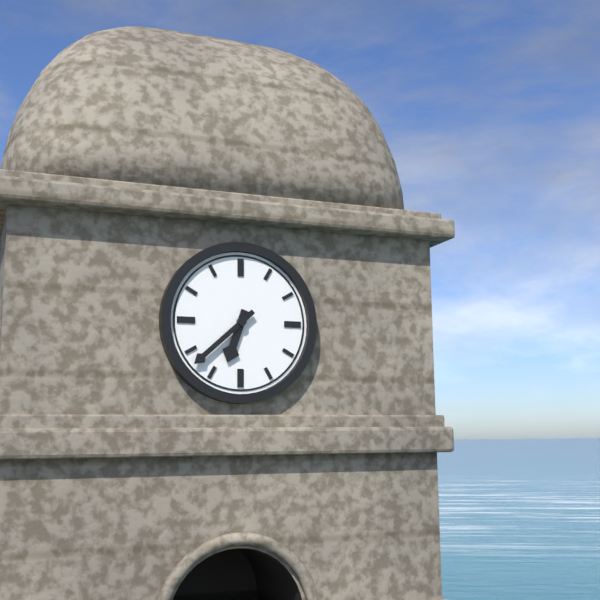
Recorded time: **6:38**
